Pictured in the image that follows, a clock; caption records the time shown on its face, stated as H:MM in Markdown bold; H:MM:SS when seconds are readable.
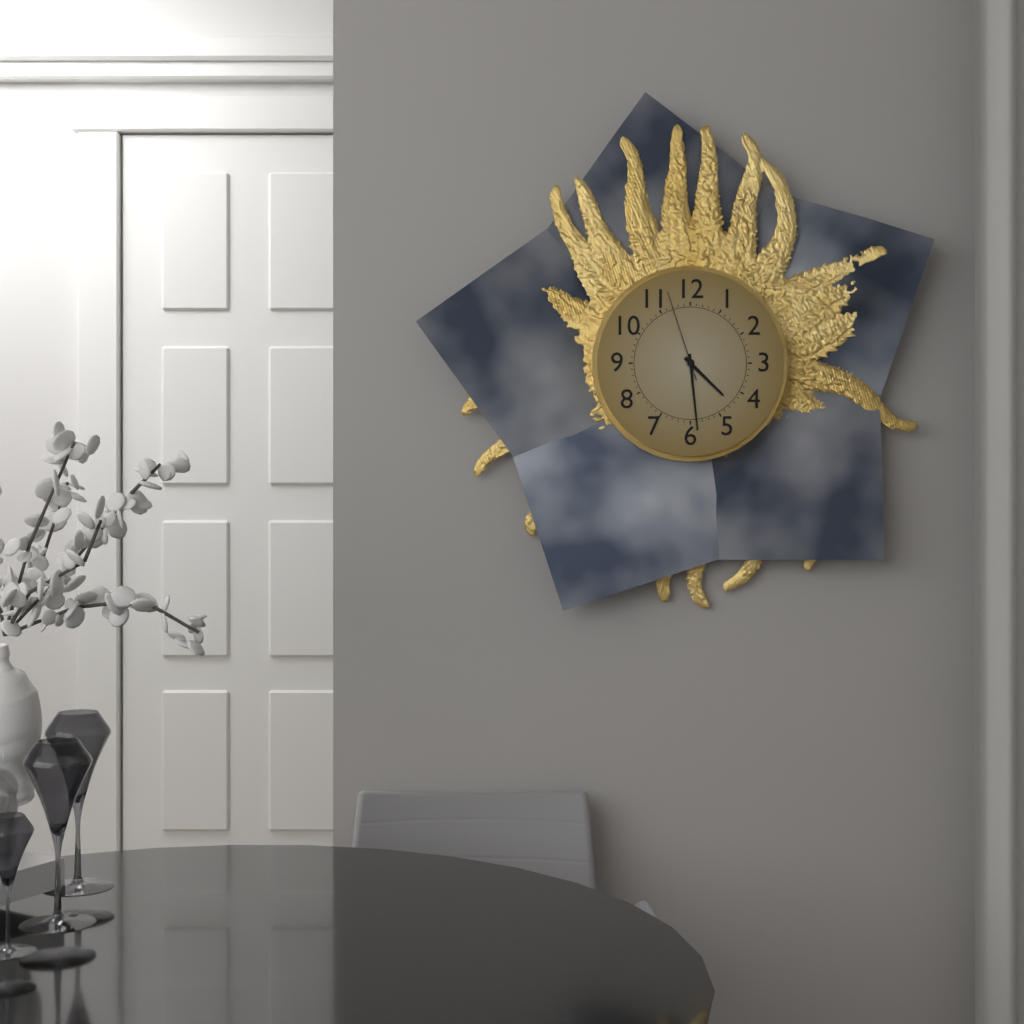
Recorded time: **4:29:57**
